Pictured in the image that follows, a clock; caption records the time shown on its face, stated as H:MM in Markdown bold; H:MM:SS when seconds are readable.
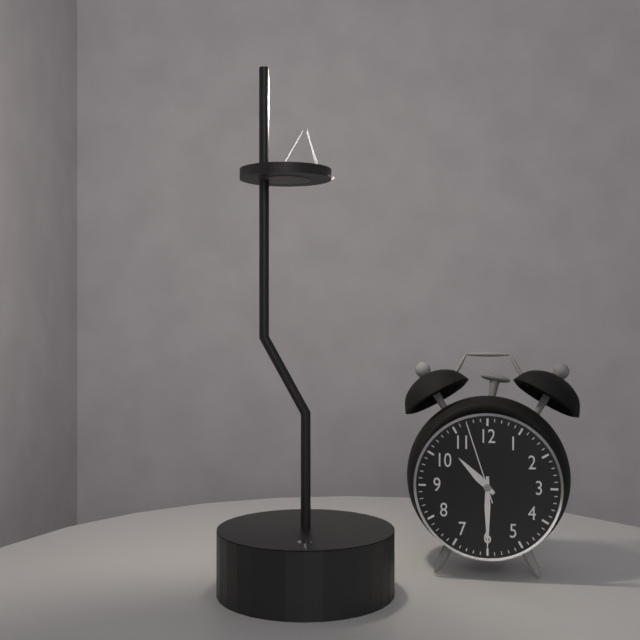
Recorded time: **10:30:57**
